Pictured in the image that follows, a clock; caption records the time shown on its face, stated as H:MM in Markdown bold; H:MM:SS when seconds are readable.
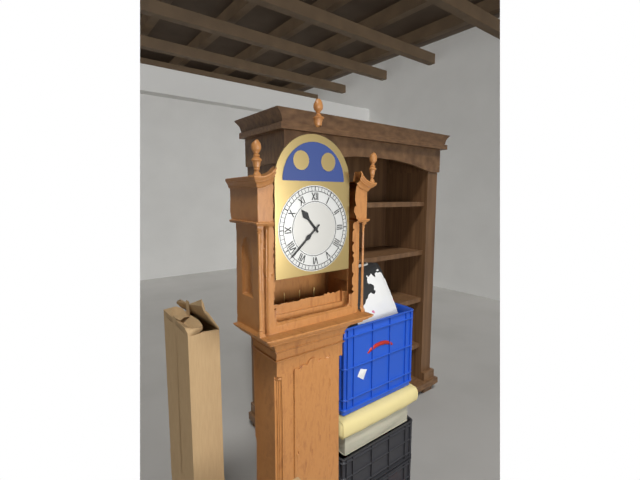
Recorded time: **10:38**
